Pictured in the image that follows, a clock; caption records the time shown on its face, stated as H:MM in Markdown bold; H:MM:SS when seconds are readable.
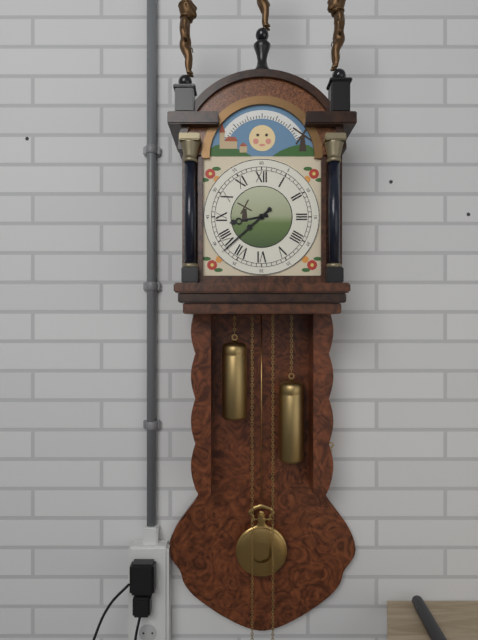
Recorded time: **8:38**
